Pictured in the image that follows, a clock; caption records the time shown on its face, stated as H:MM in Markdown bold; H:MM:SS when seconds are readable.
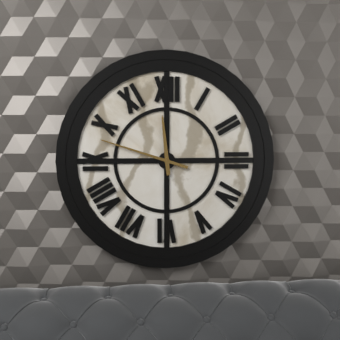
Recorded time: **11:48**
